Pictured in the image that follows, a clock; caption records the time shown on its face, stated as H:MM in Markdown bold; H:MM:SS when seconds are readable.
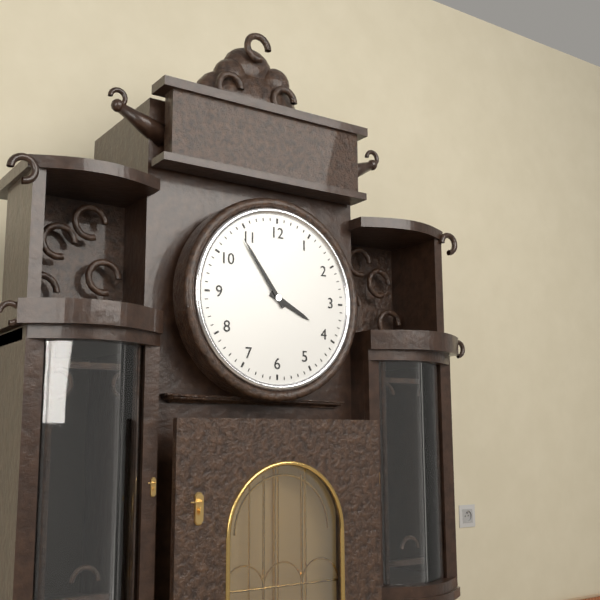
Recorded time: **3:54**
